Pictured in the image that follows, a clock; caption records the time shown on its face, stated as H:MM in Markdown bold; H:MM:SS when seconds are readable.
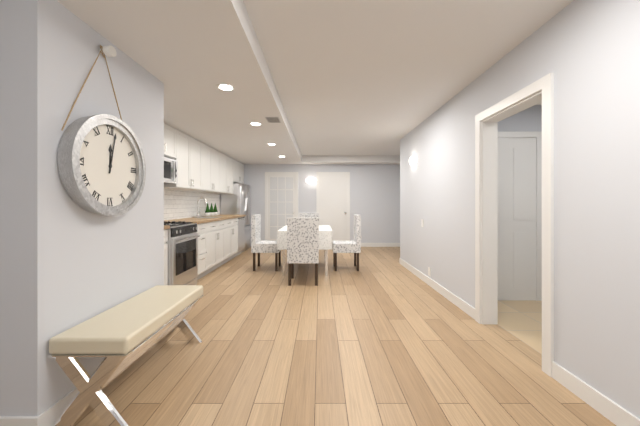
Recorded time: **12:02**
